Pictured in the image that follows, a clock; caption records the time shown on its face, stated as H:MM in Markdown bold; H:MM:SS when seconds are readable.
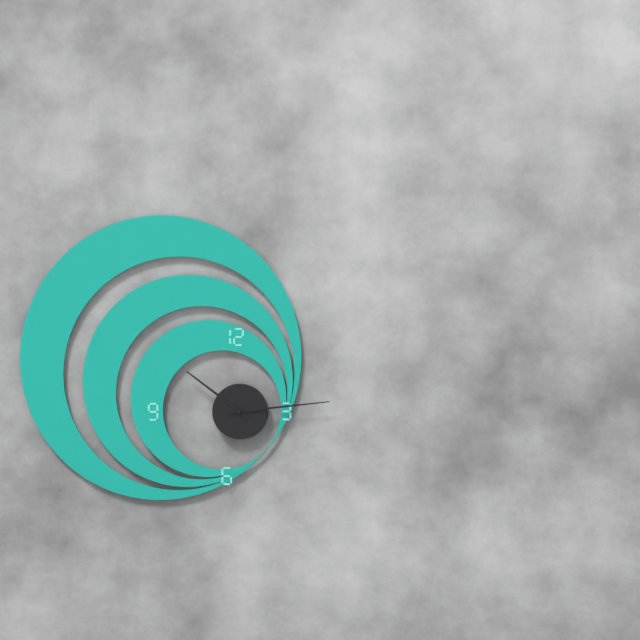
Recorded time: **10:14**
